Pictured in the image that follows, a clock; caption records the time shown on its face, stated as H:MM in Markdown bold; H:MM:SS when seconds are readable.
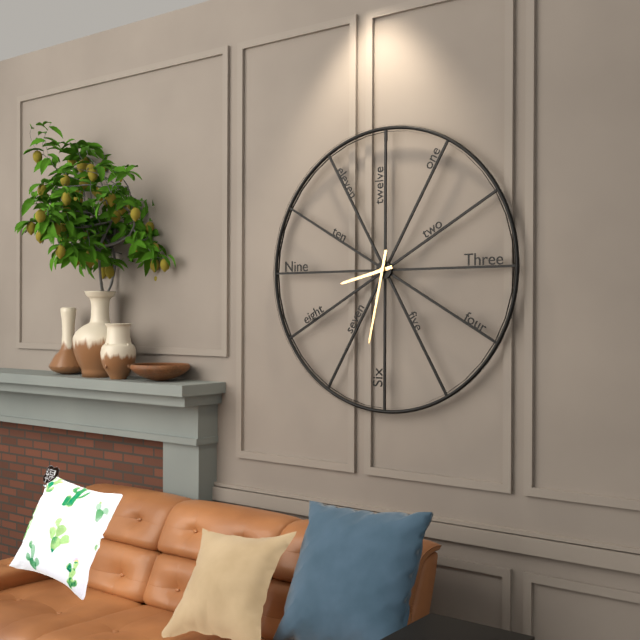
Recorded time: **8:32**
